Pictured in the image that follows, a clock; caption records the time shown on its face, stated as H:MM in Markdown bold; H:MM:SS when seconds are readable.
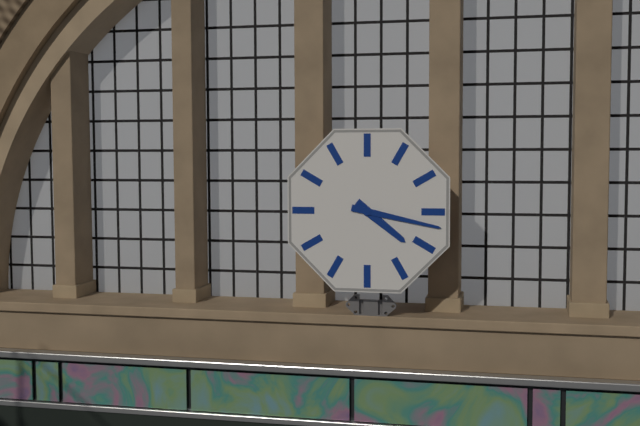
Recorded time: **4:17**
